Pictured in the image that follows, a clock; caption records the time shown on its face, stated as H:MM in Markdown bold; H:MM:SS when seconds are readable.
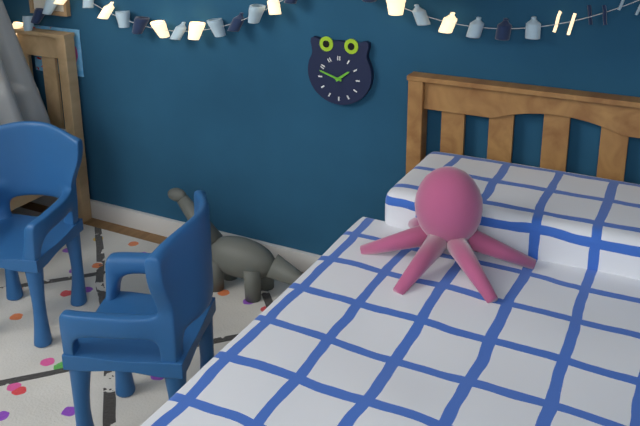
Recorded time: **1:48**
